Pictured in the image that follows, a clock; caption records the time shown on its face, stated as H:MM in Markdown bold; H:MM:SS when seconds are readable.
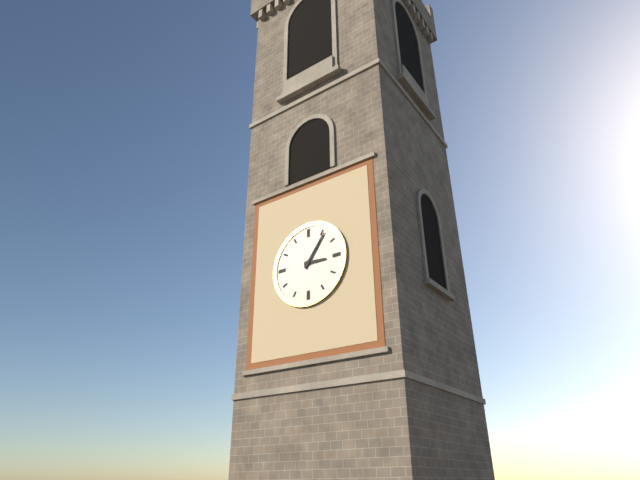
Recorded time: **3:06**
